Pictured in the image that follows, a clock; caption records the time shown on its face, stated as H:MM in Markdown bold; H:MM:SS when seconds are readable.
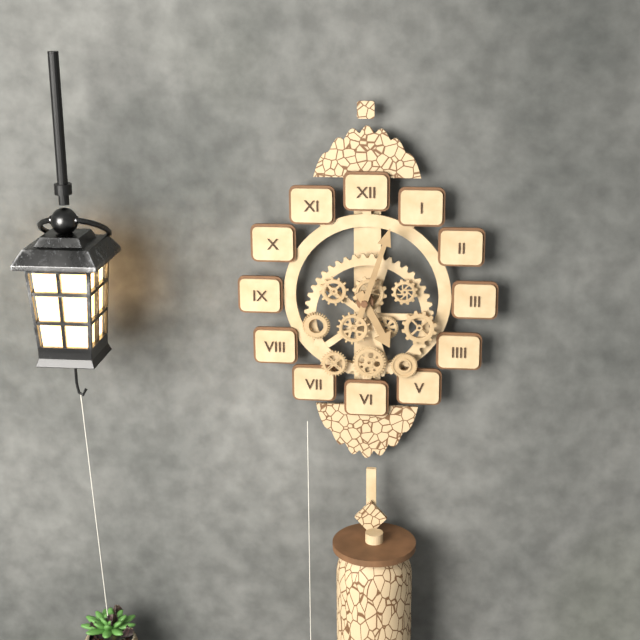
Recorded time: **5:03**
